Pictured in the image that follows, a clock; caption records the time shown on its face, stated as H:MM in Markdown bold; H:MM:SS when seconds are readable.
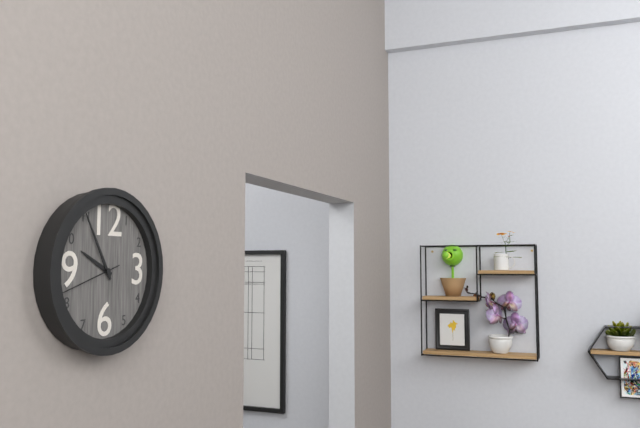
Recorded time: **9:55:42**
